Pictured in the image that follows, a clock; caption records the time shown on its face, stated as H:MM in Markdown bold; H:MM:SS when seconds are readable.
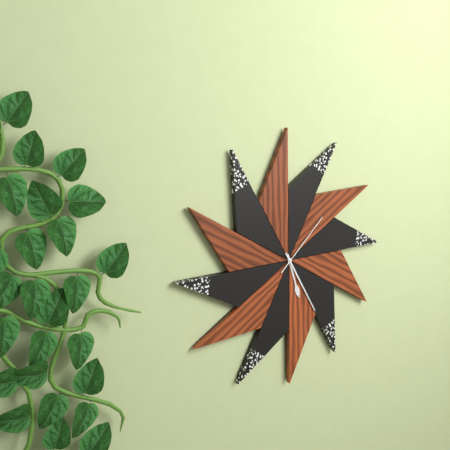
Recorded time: **5:25:08**
